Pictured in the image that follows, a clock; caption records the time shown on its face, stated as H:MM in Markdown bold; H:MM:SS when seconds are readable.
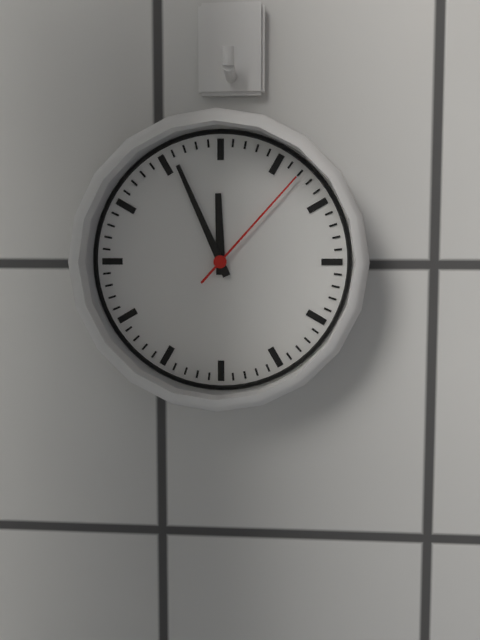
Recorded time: **11:56:07**
